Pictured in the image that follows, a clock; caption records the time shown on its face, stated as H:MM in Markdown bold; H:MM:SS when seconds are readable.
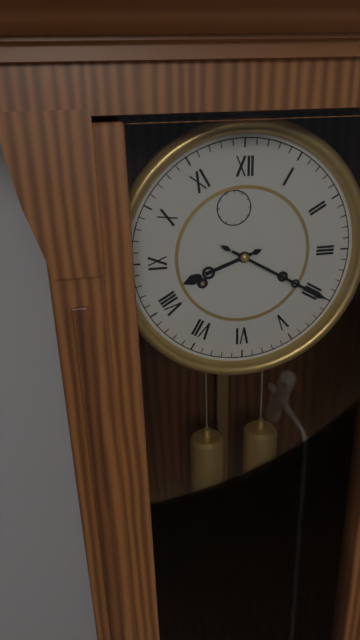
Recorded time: **8:20**
